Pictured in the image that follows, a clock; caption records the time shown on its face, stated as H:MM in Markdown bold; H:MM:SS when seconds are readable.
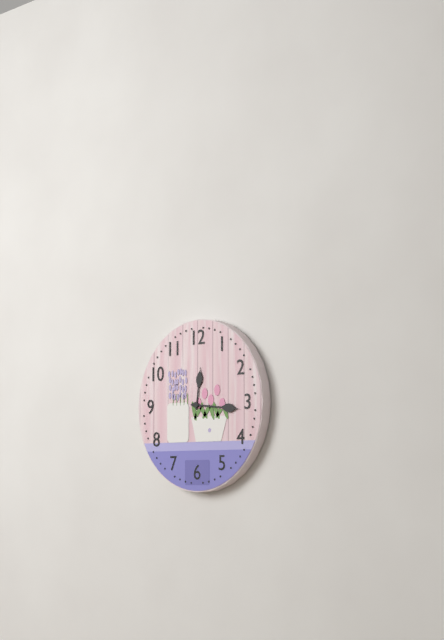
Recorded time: **12:16**
